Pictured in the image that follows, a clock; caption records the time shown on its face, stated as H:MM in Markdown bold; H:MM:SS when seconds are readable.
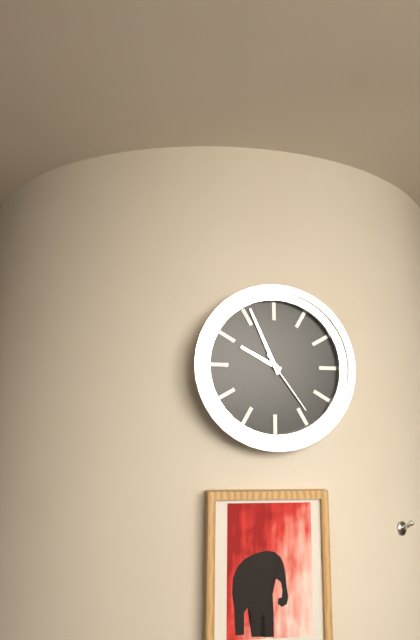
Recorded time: **9:56:24**
